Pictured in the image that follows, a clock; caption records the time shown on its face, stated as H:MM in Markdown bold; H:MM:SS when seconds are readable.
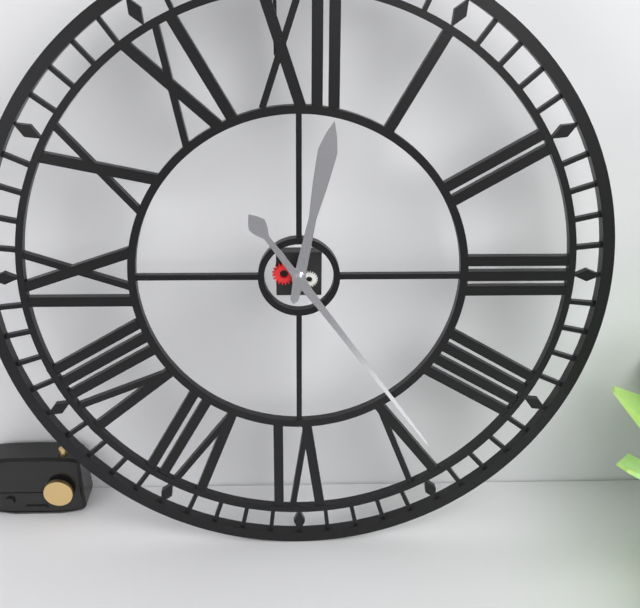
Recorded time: **12:24**
